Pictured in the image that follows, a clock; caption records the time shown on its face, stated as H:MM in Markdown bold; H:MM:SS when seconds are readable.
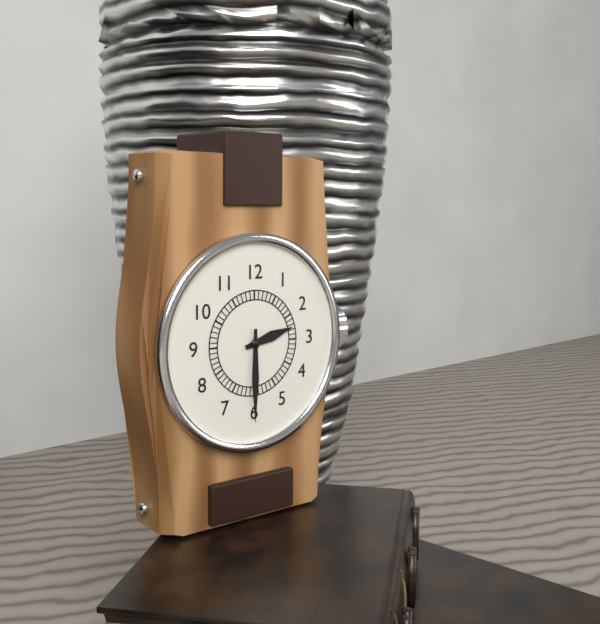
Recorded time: **2:30**
